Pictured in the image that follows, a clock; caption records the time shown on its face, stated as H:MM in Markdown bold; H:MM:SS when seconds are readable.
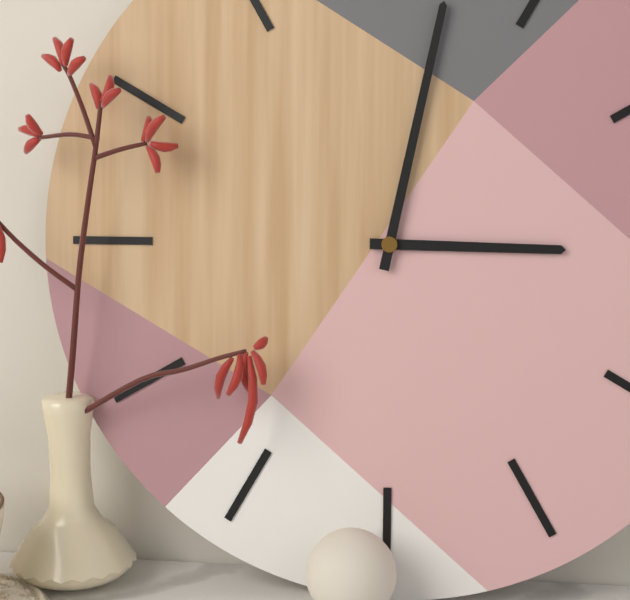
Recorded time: **3:02**
